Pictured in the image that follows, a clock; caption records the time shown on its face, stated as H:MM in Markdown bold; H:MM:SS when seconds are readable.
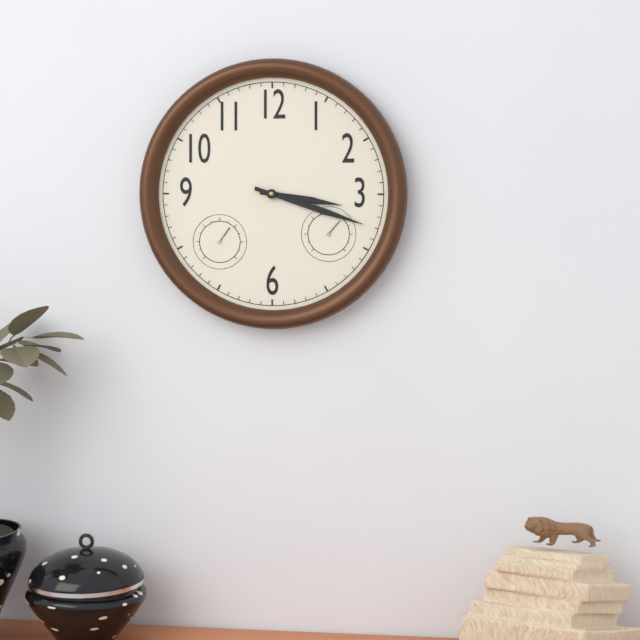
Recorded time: **3:18**
